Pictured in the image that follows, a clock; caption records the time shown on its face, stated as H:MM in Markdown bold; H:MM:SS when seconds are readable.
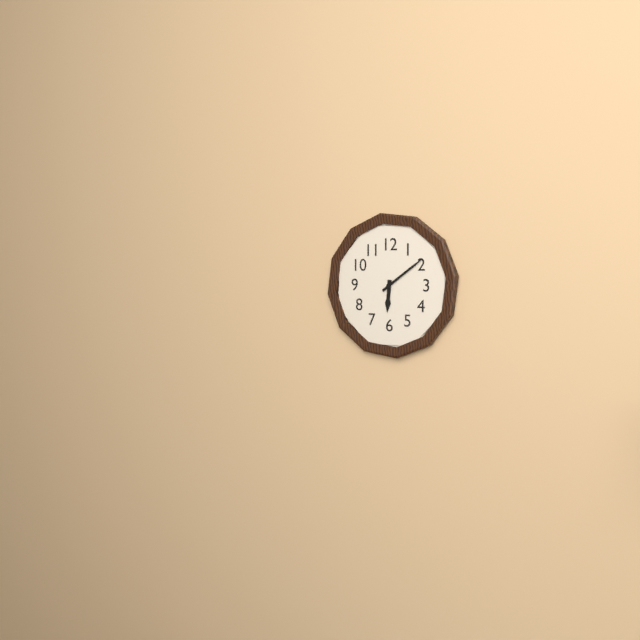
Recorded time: **6:09**
